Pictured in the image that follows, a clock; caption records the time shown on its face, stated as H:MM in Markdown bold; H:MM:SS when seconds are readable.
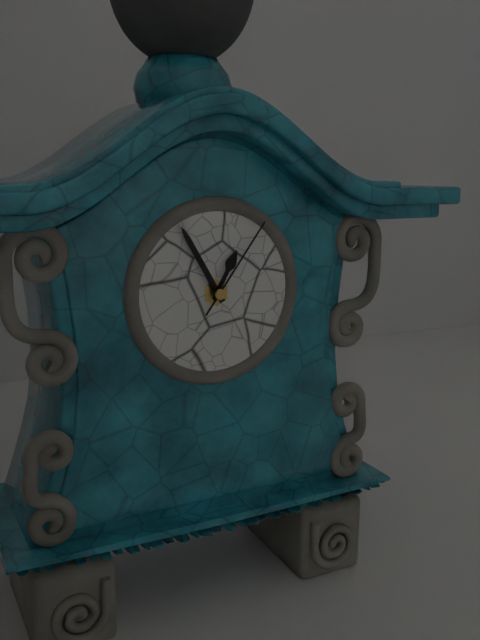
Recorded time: **12:55:06**
